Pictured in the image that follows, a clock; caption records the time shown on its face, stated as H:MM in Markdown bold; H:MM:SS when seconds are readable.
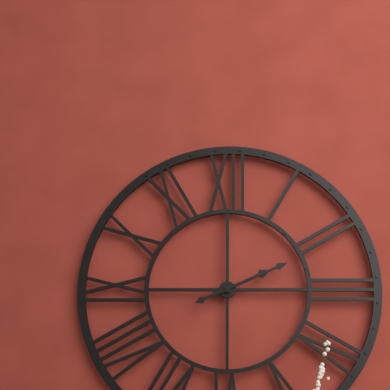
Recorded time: **2:11**
